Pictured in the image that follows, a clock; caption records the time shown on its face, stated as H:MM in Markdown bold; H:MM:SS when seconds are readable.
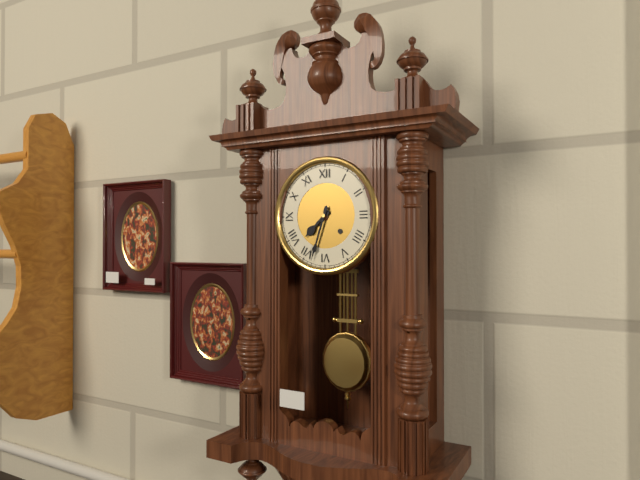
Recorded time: **7:33**
